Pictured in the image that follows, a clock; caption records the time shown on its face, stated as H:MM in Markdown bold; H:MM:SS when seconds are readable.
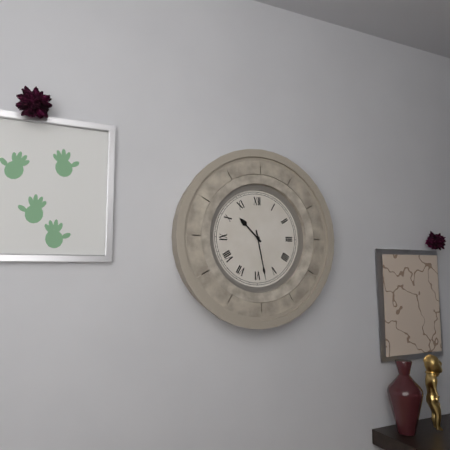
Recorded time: **10:28**
